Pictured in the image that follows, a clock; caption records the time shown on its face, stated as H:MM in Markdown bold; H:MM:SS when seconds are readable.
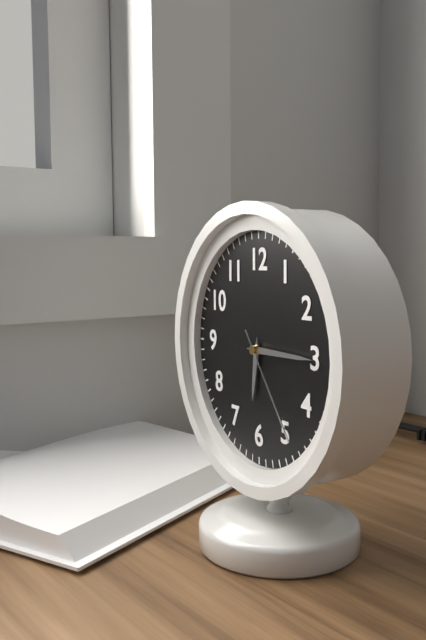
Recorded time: **6:15:24**
